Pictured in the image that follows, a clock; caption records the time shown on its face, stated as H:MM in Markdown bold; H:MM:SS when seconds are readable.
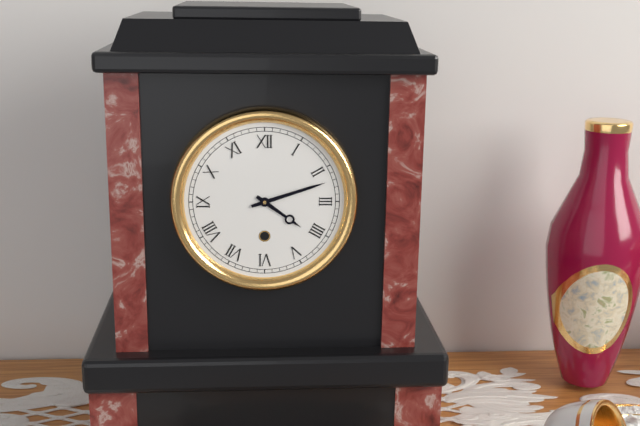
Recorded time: **4:12**
